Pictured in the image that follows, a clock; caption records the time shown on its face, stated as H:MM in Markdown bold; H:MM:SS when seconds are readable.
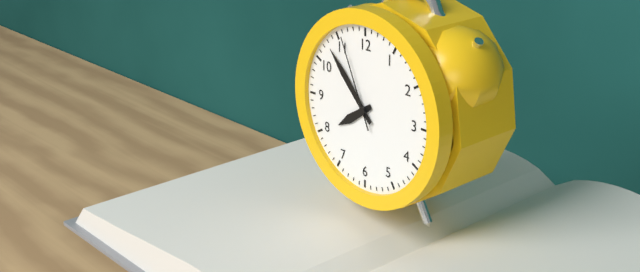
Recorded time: **7:53:56**
